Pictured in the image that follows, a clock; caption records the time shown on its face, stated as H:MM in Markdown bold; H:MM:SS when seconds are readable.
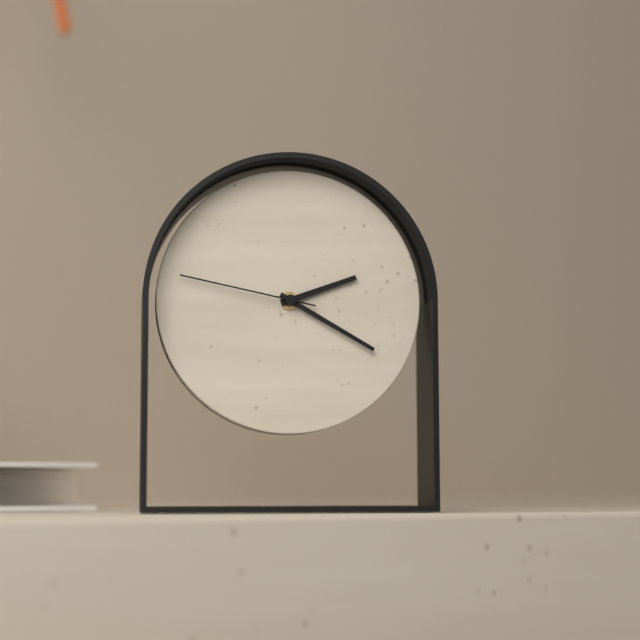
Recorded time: **2:20:47**
